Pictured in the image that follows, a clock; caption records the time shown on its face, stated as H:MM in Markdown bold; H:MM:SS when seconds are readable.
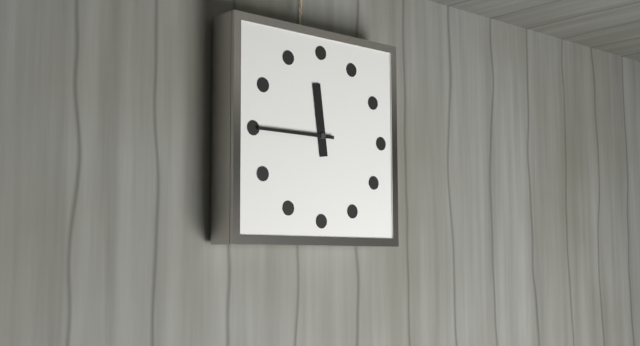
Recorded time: **11:45**
